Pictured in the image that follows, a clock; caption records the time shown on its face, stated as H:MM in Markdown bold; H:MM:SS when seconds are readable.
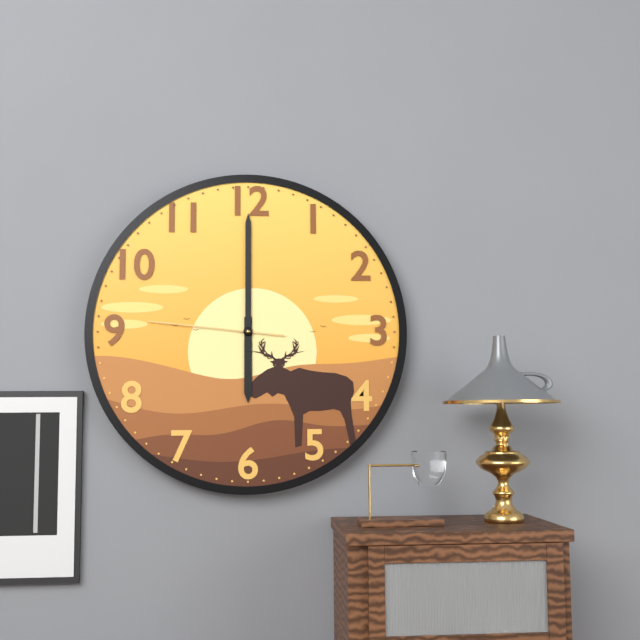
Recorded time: **6:00:46**
